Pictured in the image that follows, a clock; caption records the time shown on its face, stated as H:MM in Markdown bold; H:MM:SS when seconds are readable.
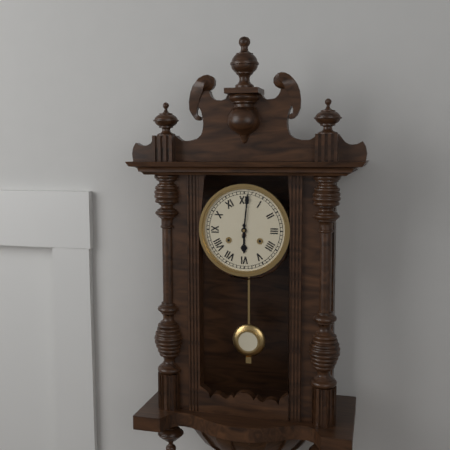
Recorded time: **6:01**
